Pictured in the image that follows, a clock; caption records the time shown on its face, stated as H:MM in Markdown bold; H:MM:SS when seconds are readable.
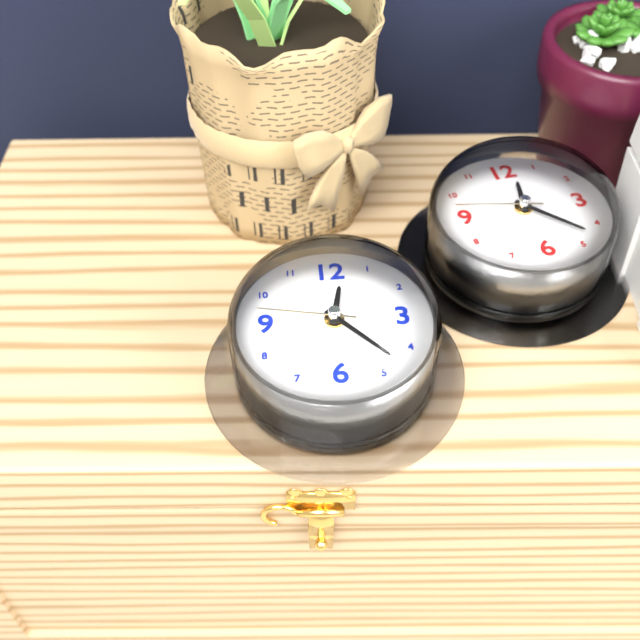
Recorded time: **12:23:47**
